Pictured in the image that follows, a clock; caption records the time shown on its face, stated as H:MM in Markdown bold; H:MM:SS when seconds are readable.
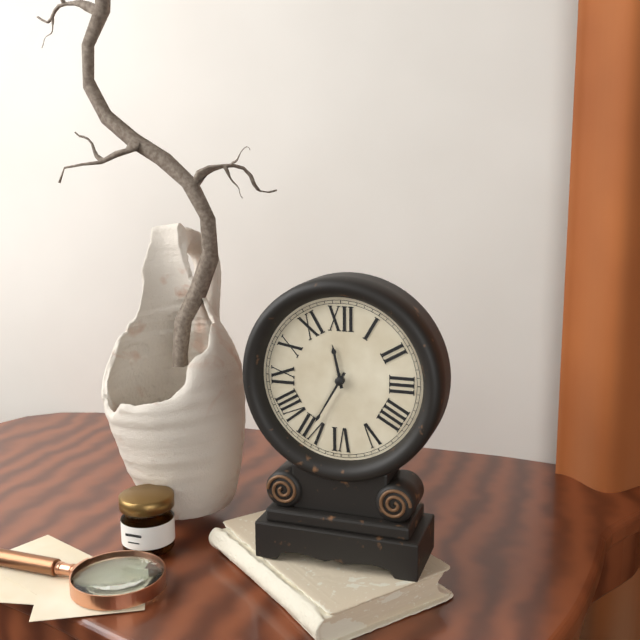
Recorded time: **11:35**
